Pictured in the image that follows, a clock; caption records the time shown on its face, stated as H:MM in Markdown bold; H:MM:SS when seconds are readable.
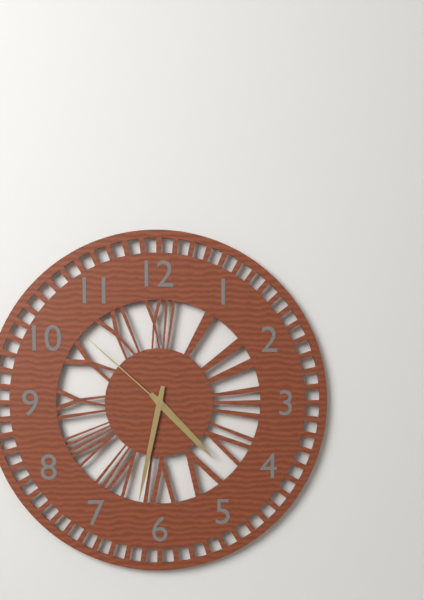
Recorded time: **4:32:52**
